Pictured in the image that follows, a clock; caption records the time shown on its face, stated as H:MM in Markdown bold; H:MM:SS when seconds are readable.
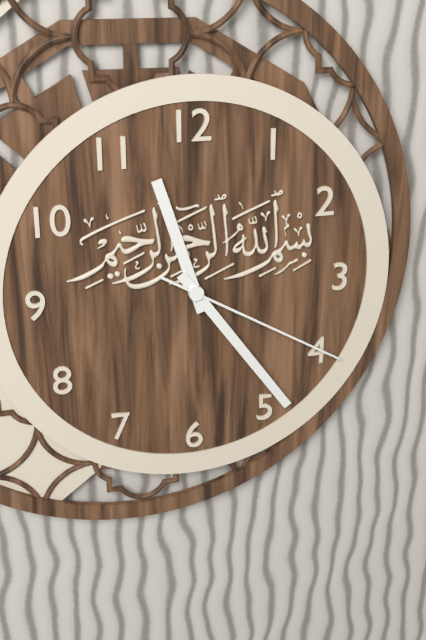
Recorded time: **11:24:20**
